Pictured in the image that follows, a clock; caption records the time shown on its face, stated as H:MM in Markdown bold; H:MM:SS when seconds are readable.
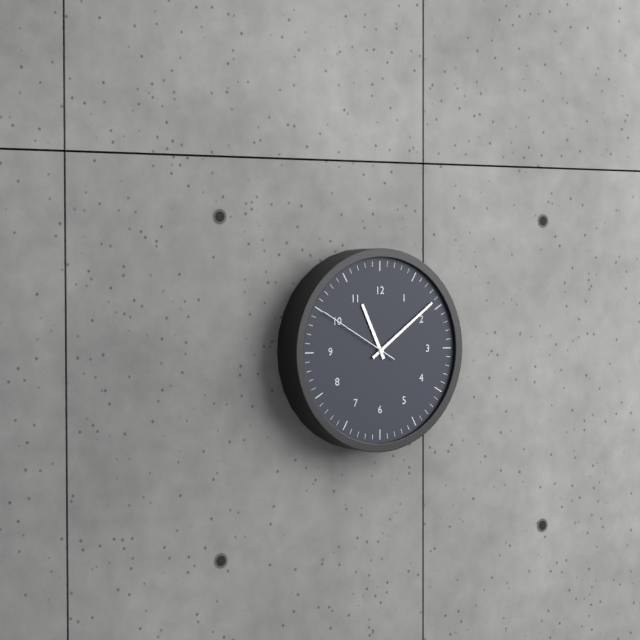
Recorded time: **11:09:50**
